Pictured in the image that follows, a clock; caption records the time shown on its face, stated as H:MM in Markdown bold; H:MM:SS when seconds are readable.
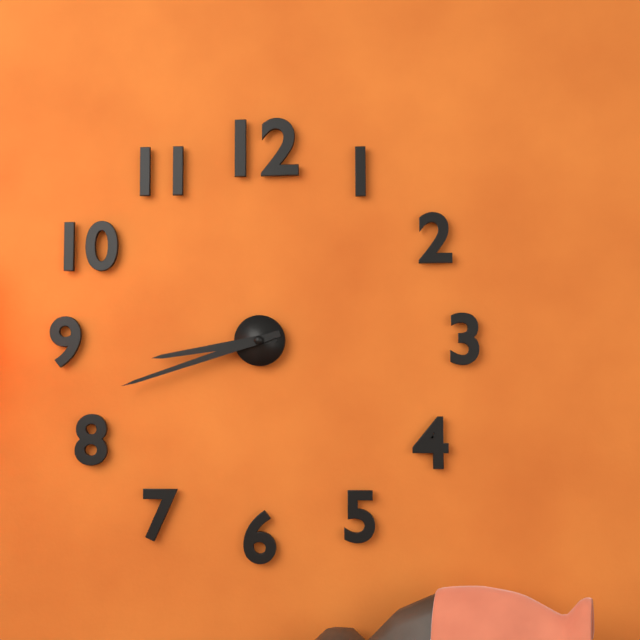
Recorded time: **8:42**
